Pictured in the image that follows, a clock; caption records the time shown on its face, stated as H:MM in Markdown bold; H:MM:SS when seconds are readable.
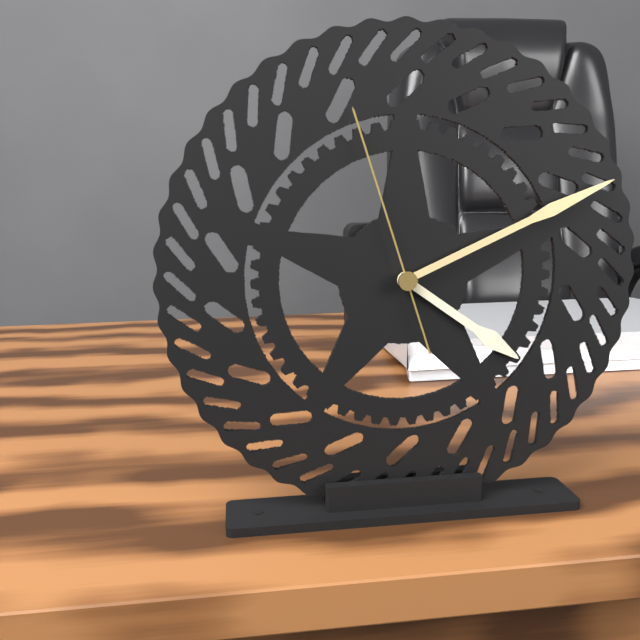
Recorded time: **4:11:57**
